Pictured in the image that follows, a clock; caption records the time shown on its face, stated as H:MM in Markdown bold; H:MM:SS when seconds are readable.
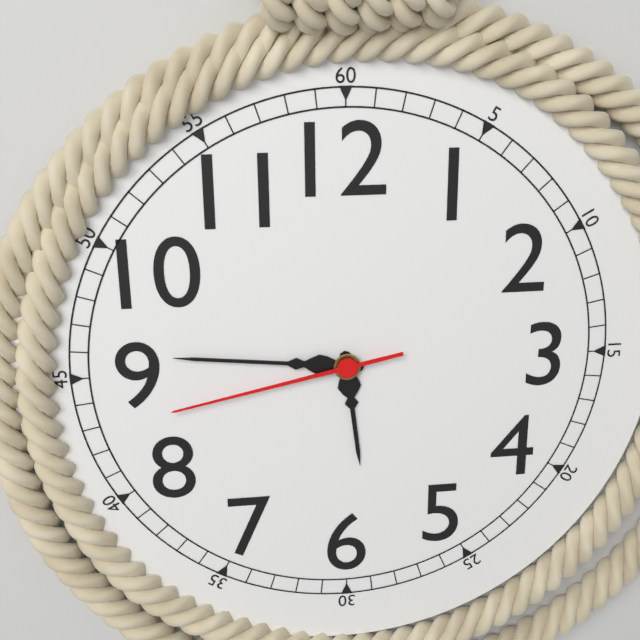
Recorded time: **5:46:43**
